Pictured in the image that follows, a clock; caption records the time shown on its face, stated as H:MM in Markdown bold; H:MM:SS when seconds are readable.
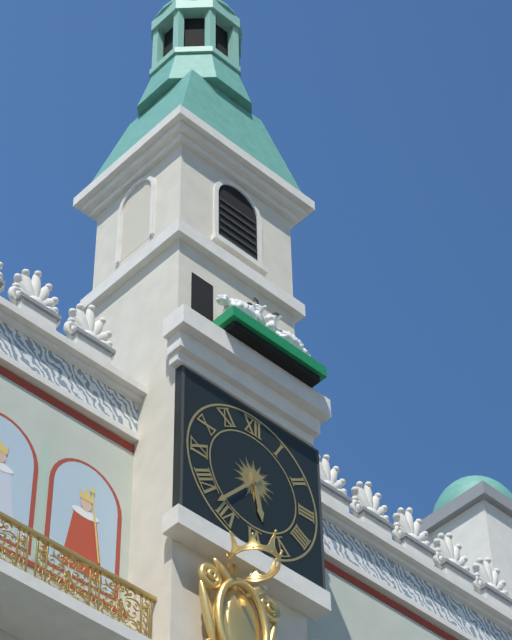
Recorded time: **5:37**
